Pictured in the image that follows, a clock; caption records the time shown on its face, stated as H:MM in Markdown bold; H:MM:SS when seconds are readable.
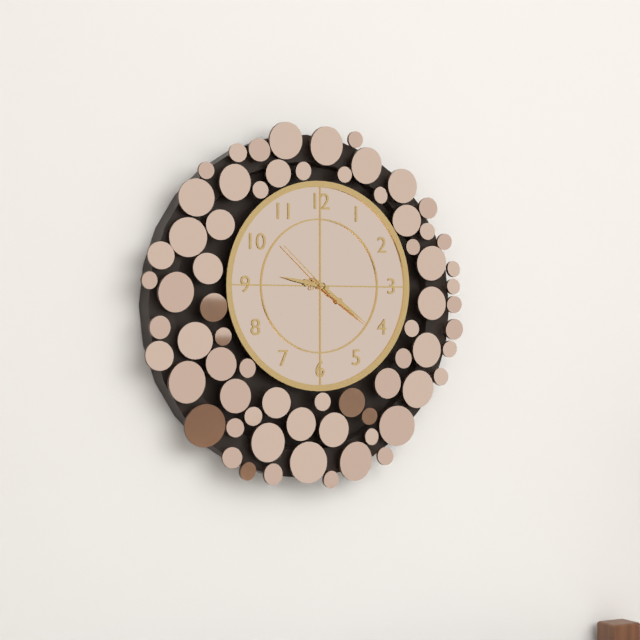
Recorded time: **9:21:52**
